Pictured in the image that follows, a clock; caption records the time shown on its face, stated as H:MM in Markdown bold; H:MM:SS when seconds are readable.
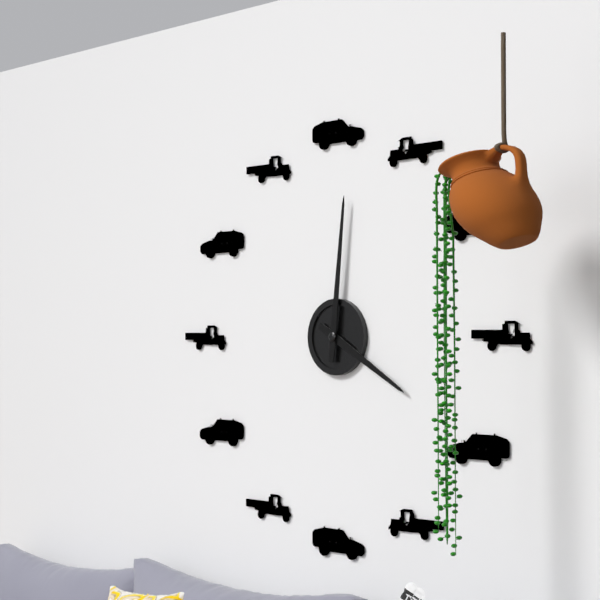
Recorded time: **4:01**
